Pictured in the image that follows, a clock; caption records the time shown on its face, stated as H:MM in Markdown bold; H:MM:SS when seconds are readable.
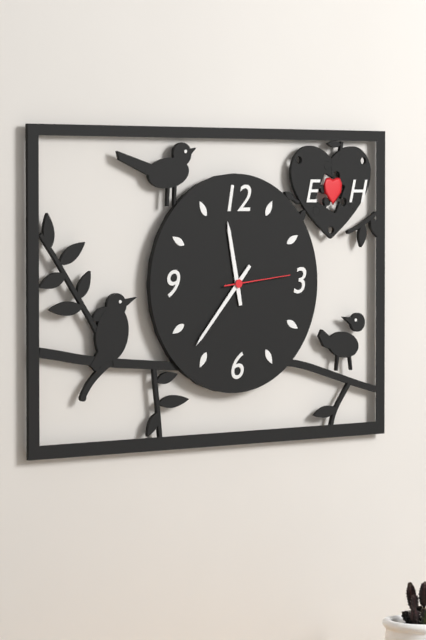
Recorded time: **11:37:14**
